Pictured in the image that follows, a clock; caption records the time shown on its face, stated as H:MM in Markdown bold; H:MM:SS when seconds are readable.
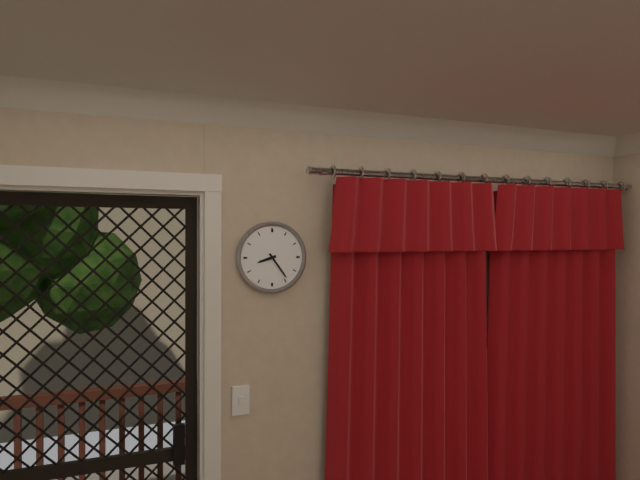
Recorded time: **8:24**
